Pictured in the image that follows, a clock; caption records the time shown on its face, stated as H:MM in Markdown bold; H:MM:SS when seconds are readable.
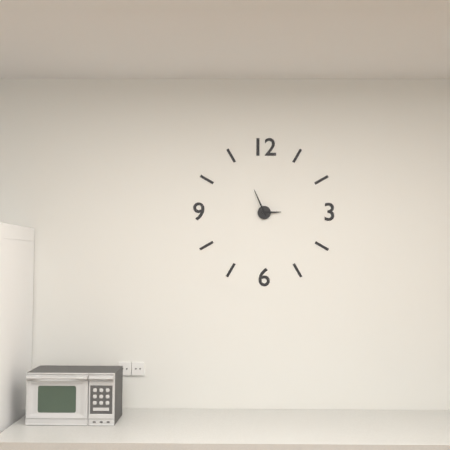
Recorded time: **2:56**
